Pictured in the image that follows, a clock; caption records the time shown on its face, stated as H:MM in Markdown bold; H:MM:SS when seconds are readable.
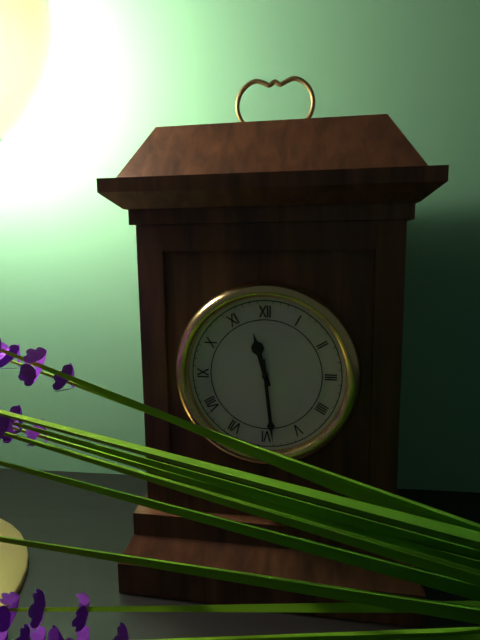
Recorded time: **11:29**
